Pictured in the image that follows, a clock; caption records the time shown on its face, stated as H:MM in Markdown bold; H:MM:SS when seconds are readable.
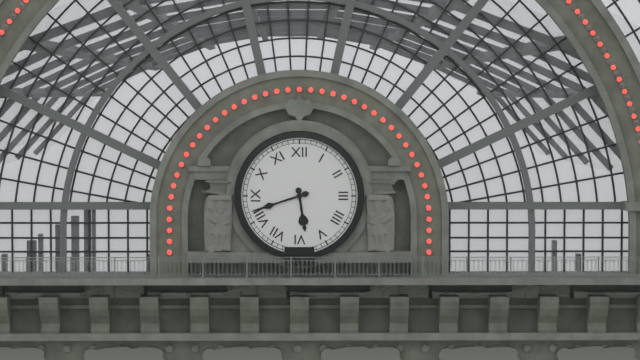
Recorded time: **5:42**
